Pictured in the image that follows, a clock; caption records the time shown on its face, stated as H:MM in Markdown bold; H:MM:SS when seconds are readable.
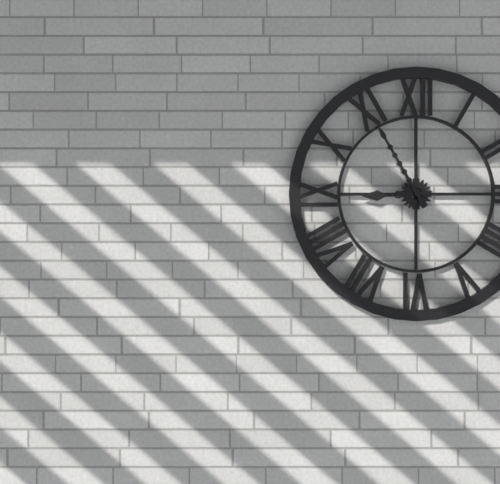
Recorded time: **8:55**
